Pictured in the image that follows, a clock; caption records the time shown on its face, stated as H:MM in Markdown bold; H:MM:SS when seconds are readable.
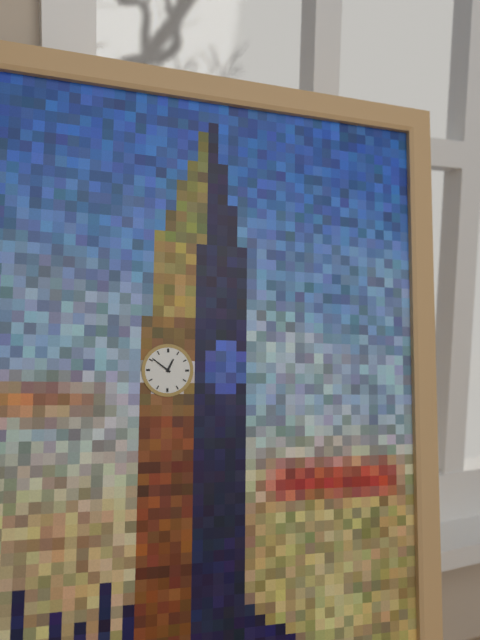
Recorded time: **12:51**
